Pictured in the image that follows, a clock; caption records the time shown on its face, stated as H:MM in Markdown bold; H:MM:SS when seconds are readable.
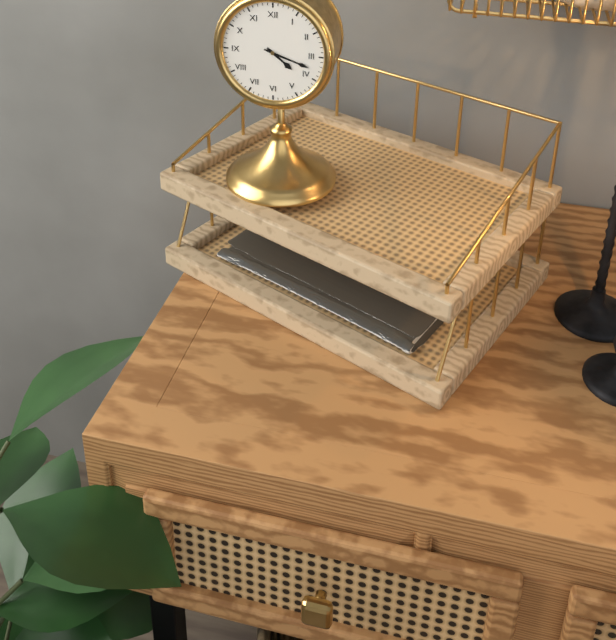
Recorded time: **4:18**
